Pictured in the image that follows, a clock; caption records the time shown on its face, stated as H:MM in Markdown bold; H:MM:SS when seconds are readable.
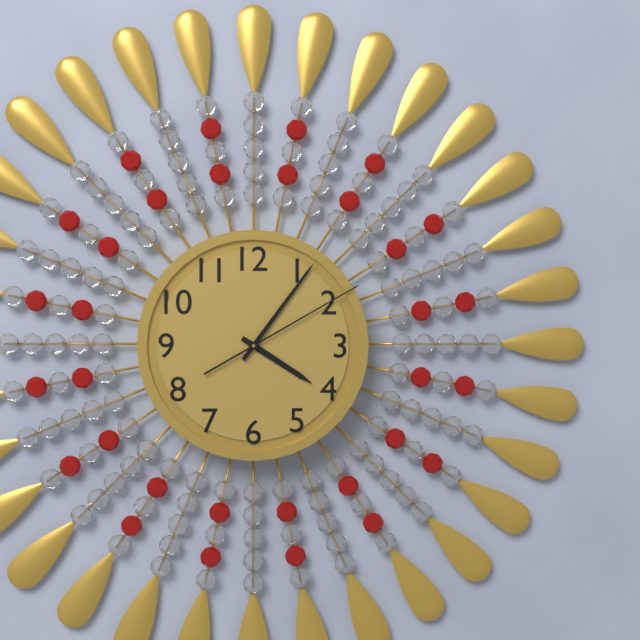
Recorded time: **4:06:10**
